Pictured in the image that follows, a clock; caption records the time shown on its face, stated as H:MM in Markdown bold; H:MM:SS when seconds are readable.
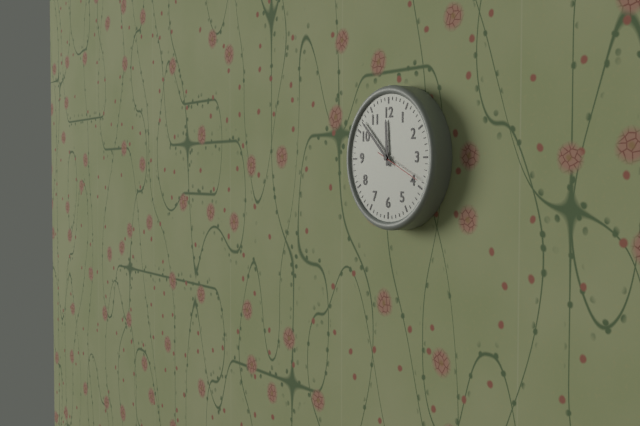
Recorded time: **11:52**
